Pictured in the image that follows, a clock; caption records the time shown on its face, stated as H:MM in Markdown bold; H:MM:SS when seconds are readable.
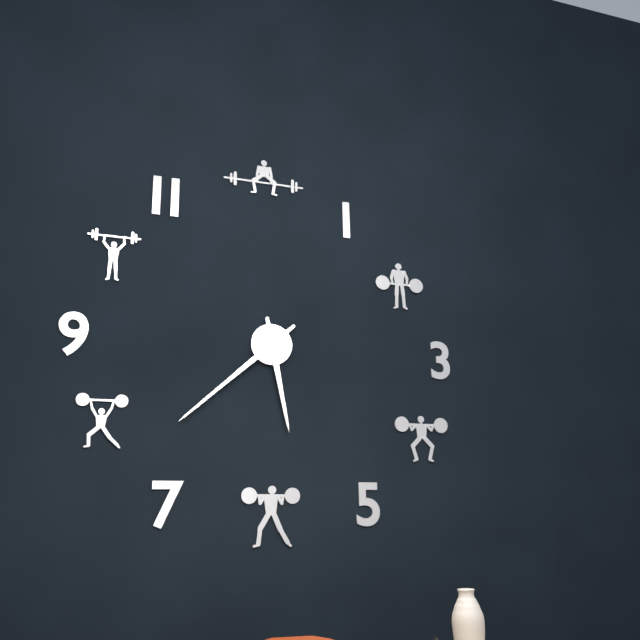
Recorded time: **5:38**
